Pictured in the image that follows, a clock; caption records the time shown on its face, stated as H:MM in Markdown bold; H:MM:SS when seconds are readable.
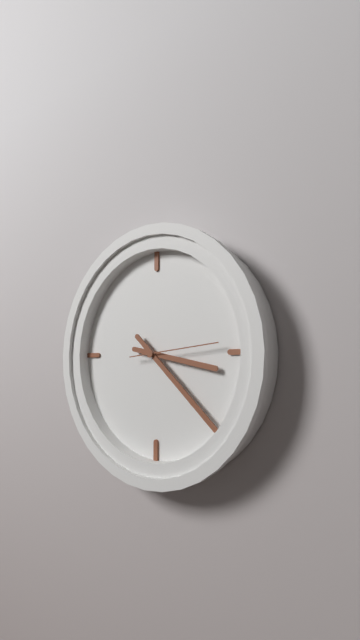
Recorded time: **3:22:14**
